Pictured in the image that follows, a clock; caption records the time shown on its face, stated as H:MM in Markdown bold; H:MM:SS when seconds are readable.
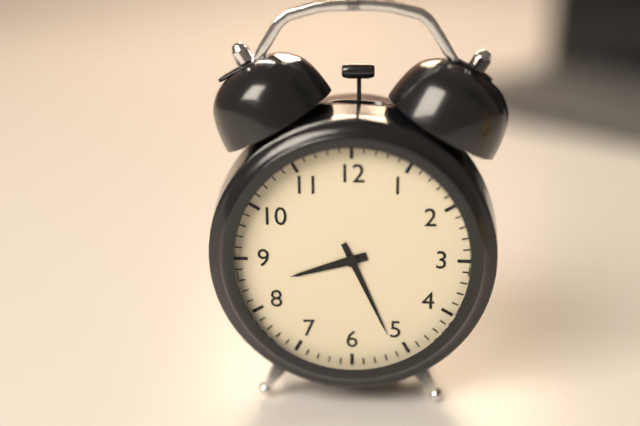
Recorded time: **8:26**
